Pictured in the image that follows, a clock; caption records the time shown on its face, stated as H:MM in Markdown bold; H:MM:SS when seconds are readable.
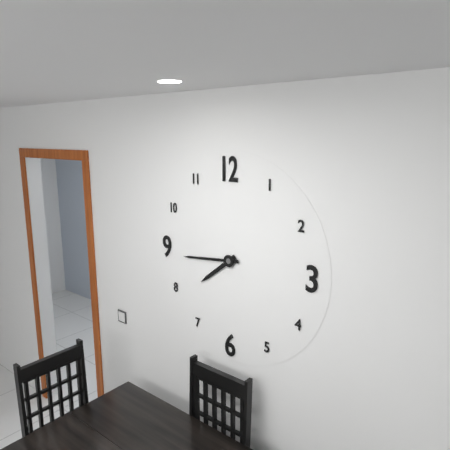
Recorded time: **7:44**
